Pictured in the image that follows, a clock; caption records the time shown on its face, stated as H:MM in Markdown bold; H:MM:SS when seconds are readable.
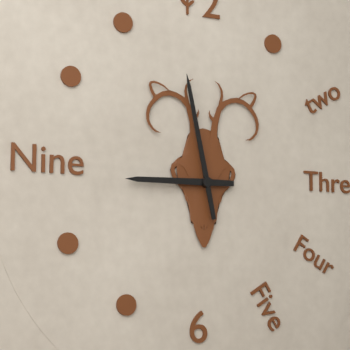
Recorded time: **8:58**
